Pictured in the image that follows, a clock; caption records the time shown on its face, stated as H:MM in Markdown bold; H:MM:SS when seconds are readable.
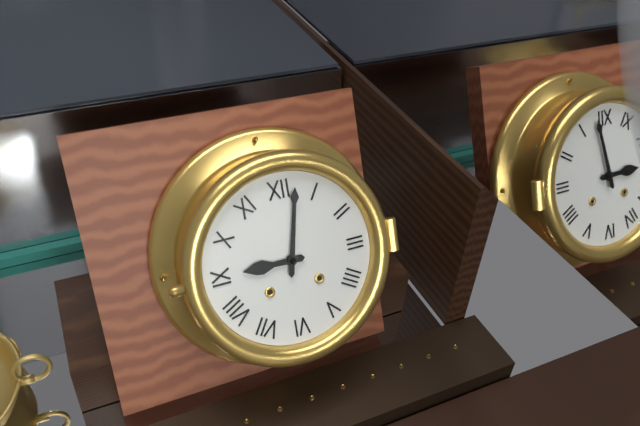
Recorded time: **9:02**
